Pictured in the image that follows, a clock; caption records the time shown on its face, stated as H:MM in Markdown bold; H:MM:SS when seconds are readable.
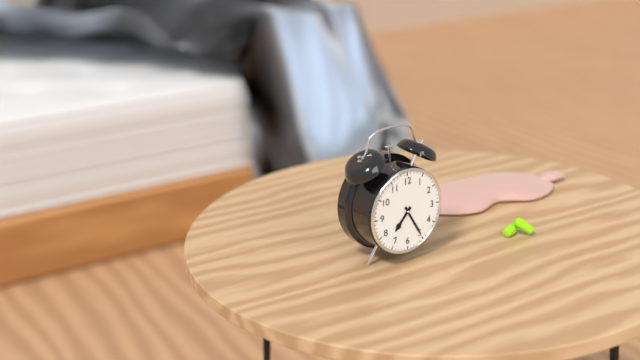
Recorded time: **7:25**
